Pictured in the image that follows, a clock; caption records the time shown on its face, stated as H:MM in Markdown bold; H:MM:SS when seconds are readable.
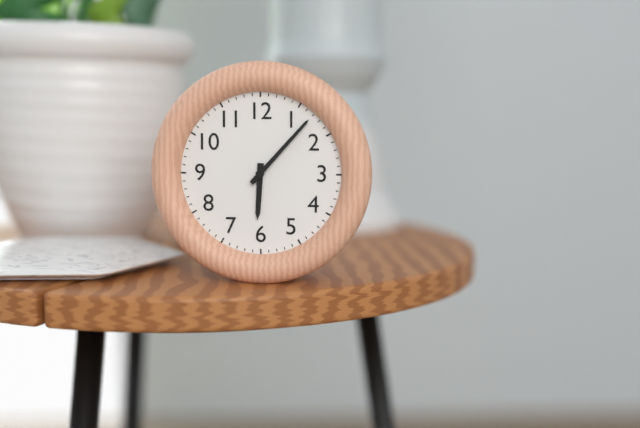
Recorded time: **6:07**
